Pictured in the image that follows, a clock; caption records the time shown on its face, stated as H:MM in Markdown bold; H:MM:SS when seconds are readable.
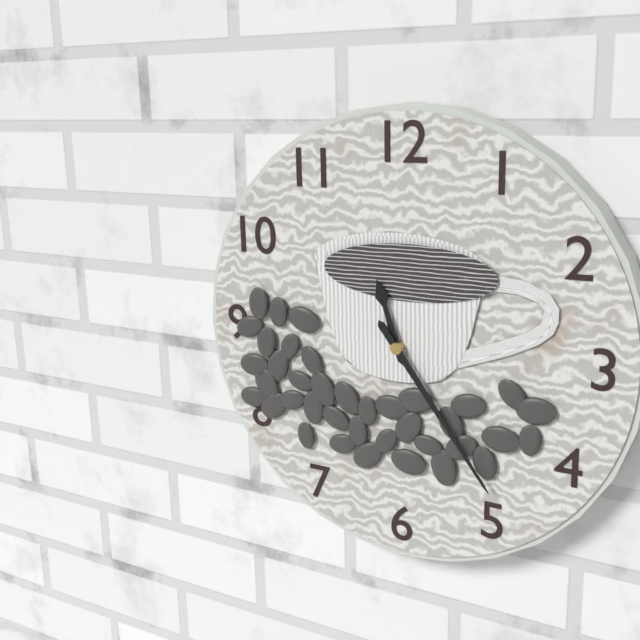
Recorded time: **11:24**
